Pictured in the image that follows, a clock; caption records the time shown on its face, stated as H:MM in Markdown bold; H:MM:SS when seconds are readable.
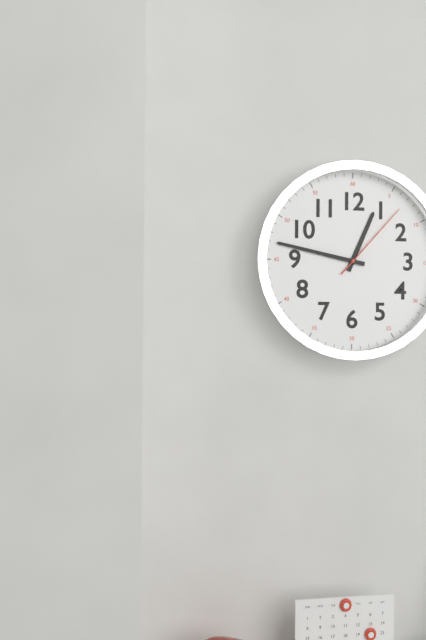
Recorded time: **12:47:07**
